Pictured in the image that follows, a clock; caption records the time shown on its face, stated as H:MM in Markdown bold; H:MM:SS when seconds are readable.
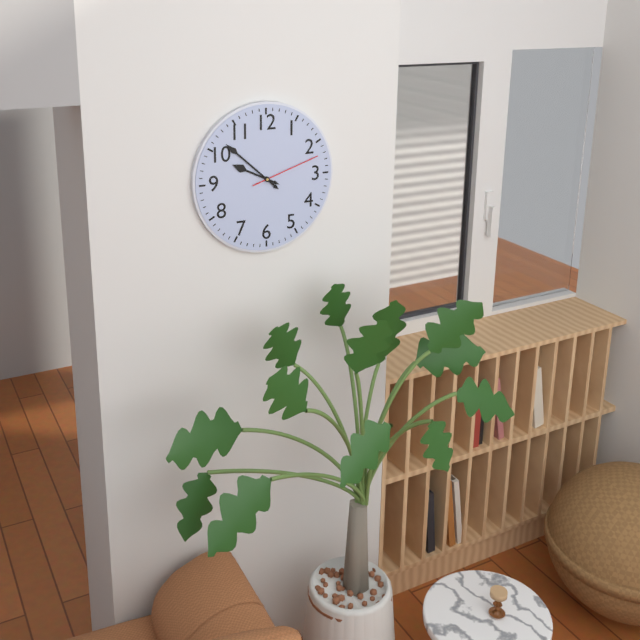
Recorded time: **9:52:12**
